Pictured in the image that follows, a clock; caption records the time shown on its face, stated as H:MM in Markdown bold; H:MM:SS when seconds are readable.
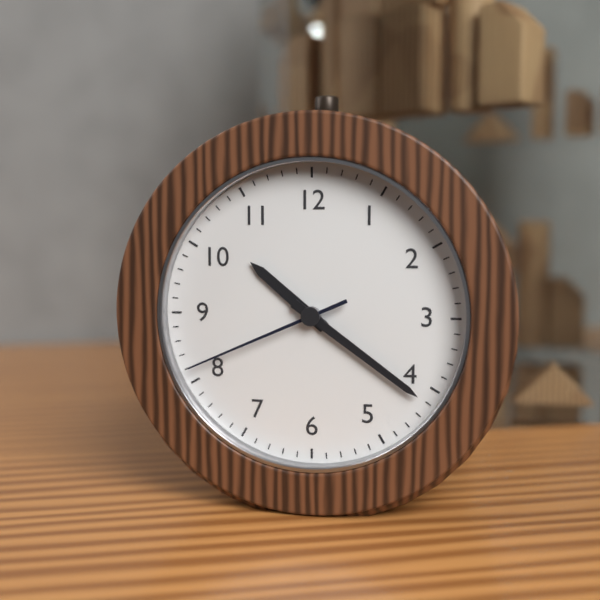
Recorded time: **10:21:41**
